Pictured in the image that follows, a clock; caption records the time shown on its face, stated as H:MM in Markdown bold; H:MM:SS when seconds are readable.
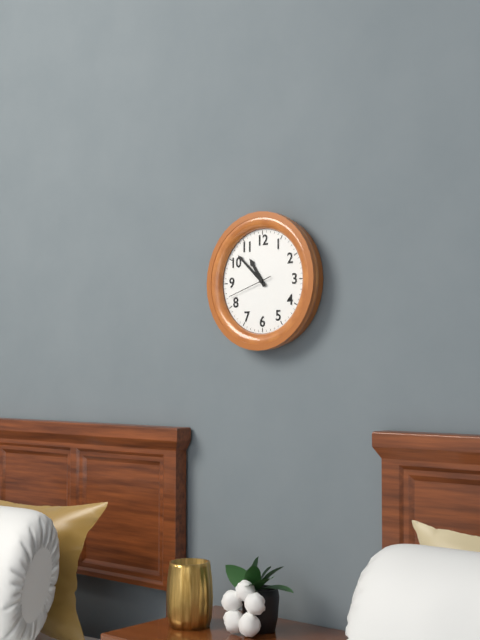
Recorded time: **10:52**
